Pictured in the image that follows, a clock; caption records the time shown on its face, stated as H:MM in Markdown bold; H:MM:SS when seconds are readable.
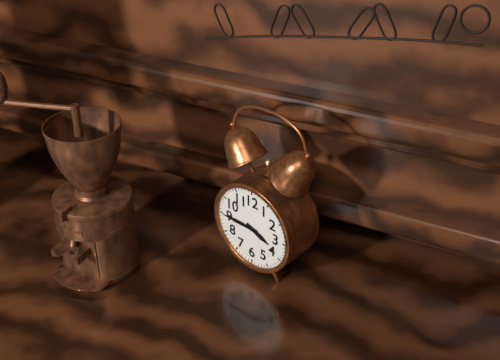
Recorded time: **3:45**
